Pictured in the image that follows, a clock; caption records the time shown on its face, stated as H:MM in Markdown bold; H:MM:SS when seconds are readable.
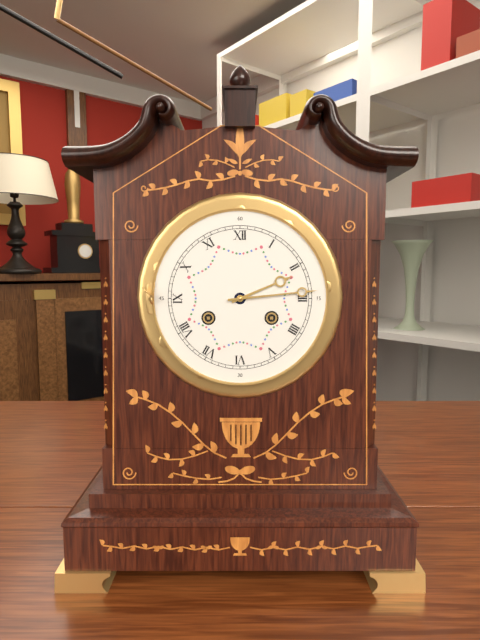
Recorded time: **2:14**
